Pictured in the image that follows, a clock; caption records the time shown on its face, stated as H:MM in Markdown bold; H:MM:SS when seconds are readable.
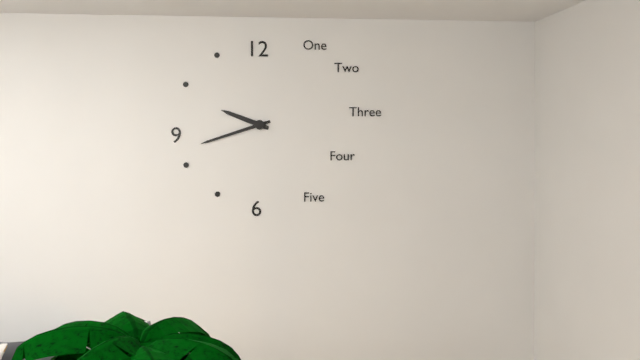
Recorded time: **9:42**
